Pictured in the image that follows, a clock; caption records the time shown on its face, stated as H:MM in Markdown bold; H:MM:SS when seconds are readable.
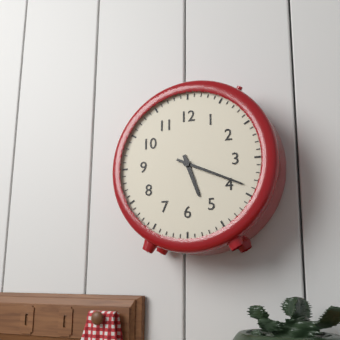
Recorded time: **5:19**
